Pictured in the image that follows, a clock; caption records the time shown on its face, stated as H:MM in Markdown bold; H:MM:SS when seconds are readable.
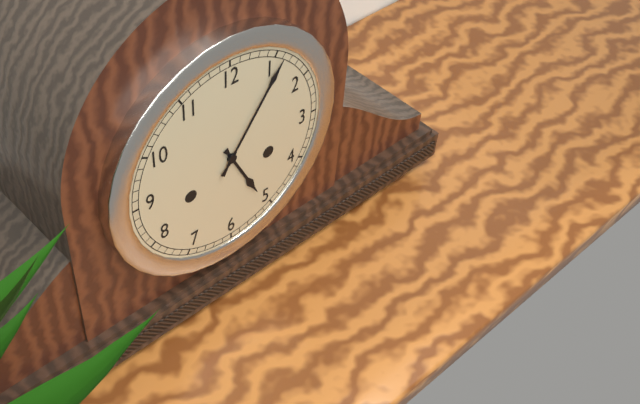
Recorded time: **5:06**
